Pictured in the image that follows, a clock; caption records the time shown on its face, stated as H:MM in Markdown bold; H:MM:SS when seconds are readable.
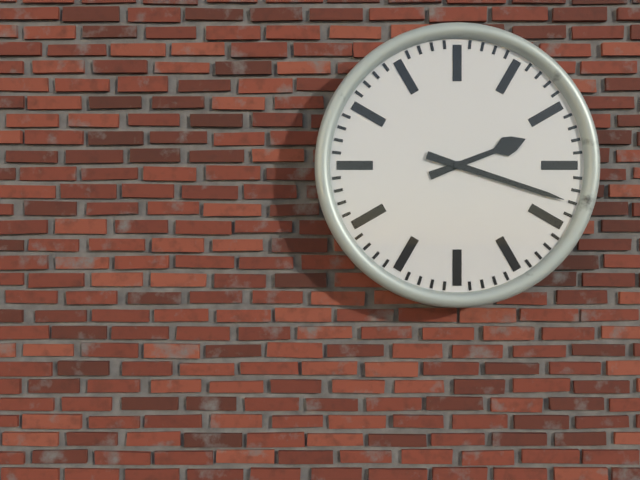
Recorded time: **2:18**
